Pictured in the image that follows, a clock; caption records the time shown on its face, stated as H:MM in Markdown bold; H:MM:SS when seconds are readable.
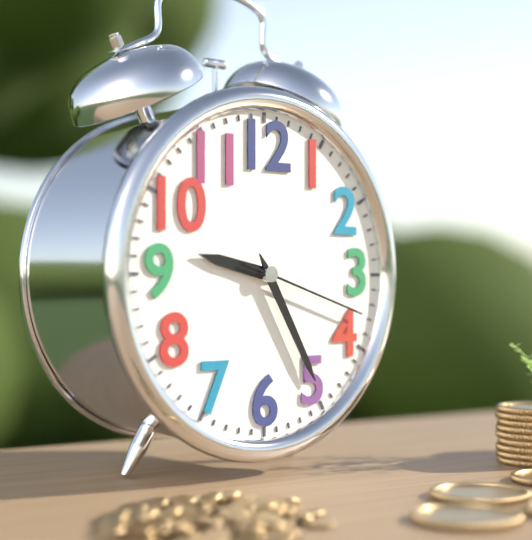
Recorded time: **9:25:18**
